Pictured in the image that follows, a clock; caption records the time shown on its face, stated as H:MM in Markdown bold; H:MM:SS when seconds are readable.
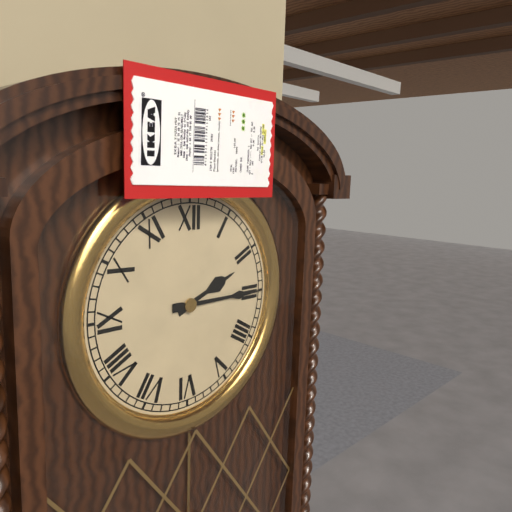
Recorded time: **2:15**
